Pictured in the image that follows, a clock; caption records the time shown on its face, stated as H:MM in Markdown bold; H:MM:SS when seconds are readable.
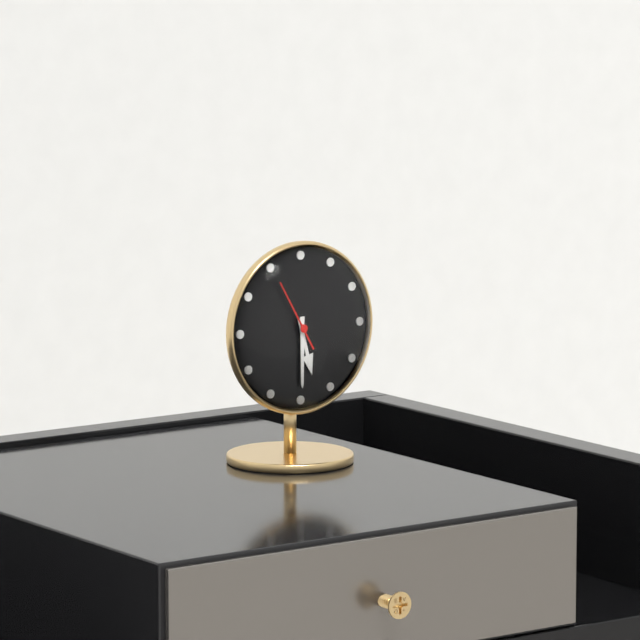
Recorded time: **5:30:55**
